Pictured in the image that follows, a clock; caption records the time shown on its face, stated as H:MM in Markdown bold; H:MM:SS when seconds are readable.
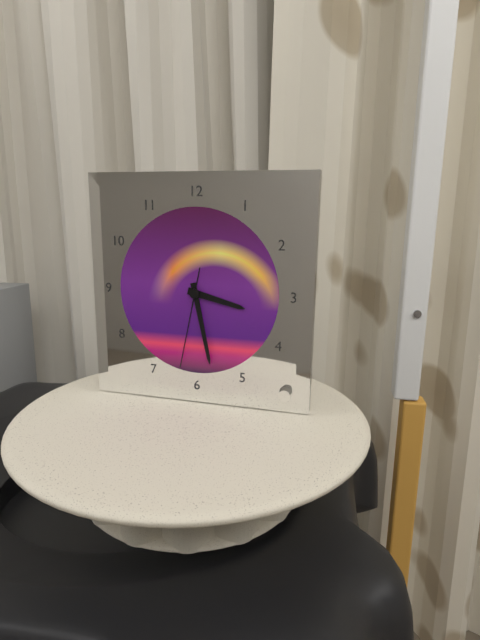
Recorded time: **3:28:32**
